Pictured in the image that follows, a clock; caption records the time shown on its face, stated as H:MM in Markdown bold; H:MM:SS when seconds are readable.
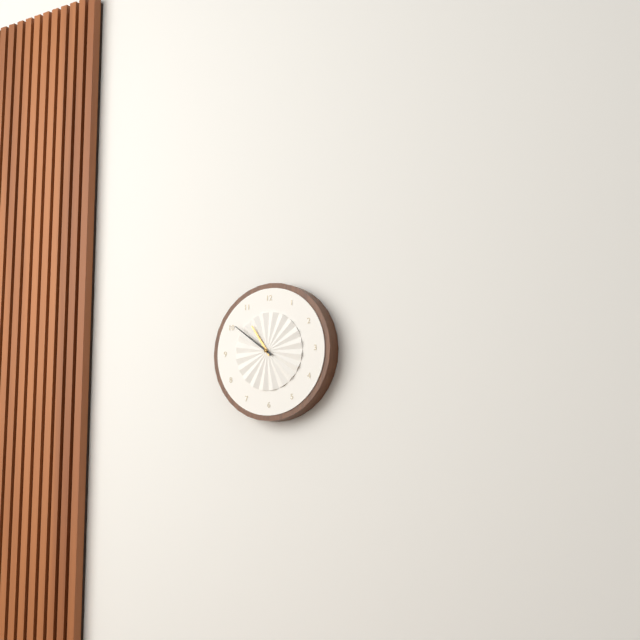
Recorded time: **10:51**
